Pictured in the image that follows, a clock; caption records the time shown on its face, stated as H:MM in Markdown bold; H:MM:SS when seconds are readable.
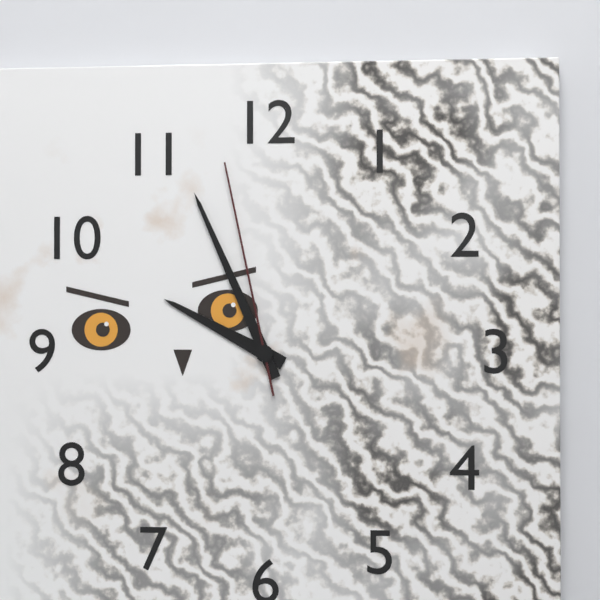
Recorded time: **9:56:58**
